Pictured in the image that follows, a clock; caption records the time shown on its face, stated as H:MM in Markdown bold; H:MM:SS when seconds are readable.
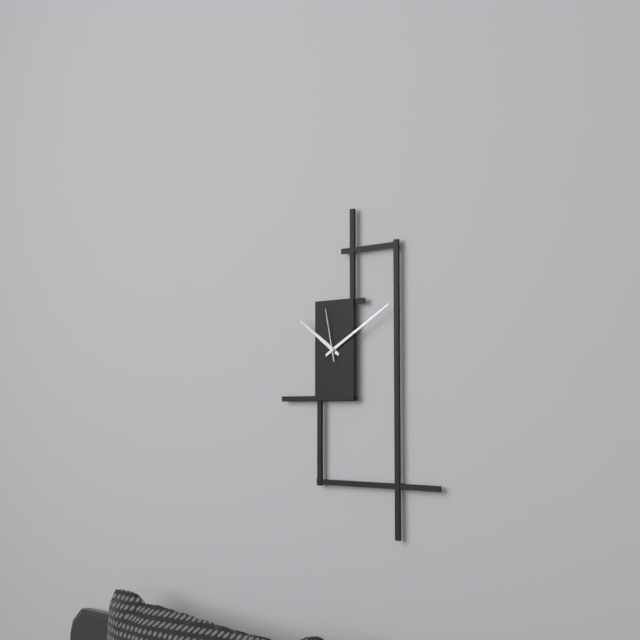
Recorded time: **10:10:58**
